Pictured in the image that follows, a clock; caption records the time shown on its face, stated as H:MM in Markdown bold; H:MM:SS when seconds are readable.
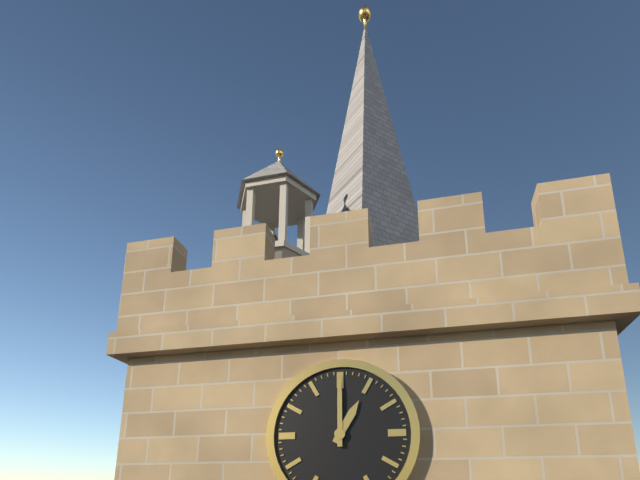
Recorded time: **1:00**
